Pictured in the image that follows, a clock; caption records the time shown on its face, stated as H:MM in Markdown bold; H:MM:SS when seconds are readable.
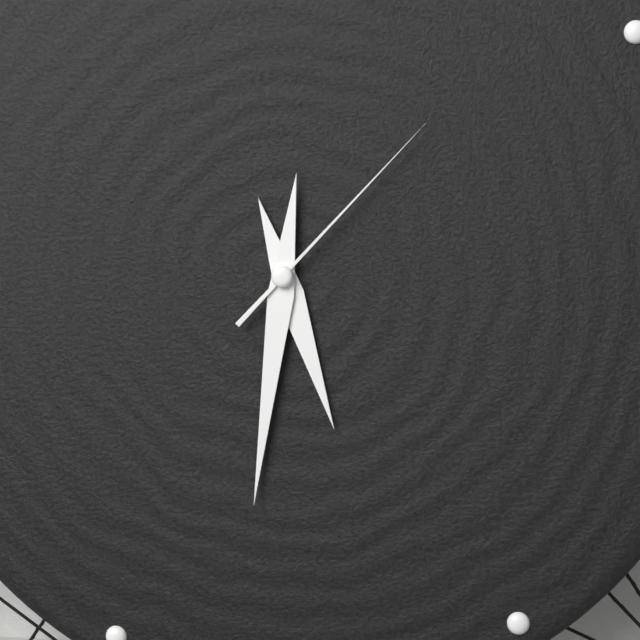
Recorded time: **5:32:08**
